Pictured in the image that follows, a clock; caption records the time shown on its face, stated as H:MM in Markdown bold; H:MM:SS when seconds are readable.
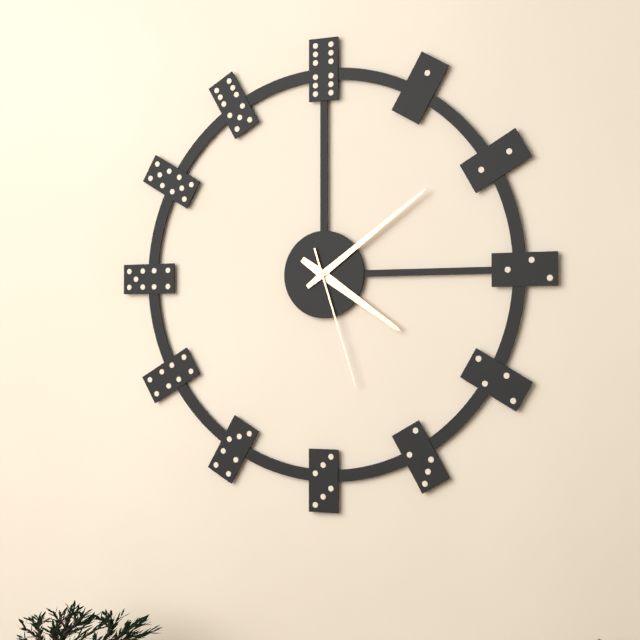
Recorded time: **4:09:27**
